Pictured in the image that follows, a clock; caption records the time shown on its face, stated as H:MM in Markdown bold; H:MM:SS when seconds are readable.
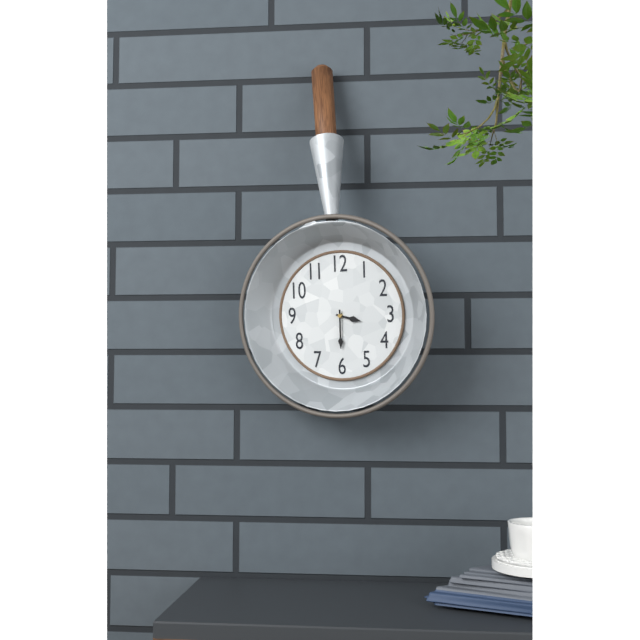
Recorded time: **3:30**
